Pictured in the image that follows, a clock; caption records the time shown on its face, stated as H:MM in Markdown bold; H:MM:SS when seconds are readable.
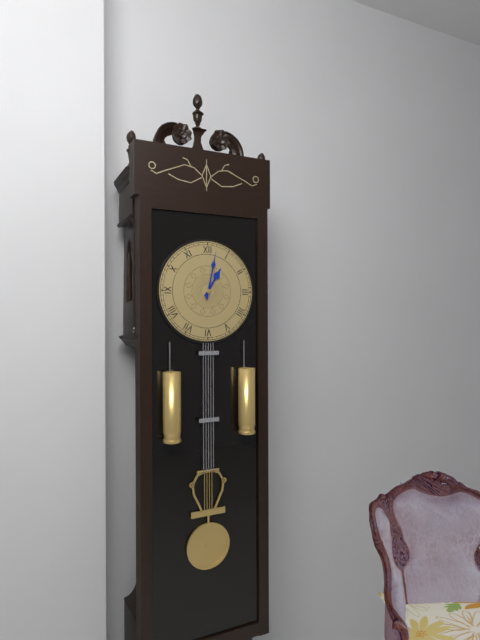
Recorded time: **1:02**
